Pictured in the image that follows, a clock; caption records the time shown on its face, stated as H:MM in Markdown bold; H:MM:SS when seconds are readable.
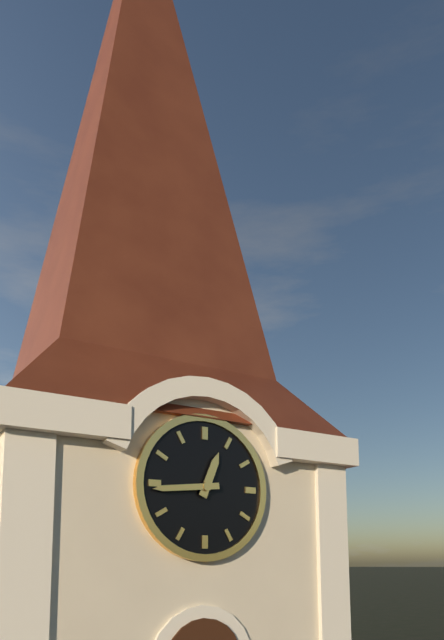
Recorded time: **12:44**
